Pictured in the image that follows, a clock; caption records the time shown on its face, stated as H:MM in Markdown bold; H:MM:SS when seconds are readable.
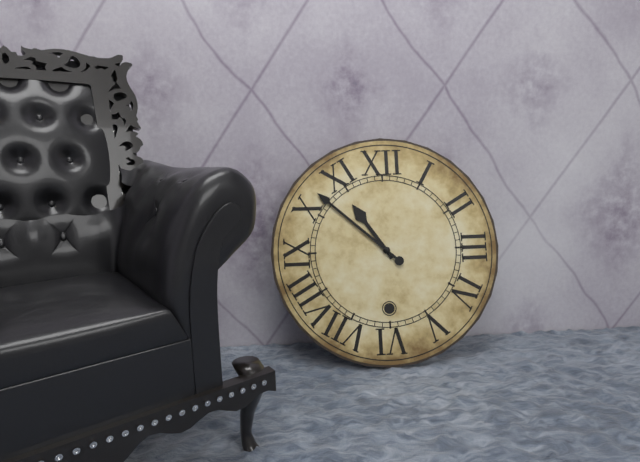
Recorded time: **10:52**
